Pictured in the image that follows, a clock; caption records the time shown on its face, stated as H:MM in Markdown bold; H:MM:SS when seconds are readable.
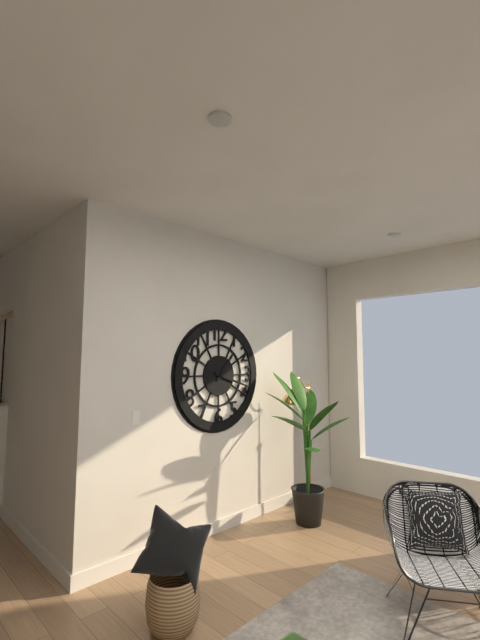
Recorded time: **1:18**
